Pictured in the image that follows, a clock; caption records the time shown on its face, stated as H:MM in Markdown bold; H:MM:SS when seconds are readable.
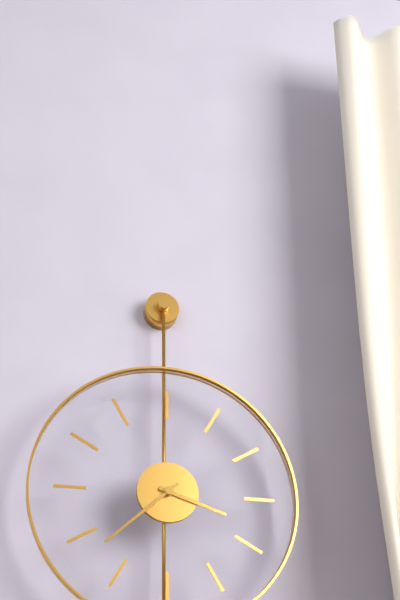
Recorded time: **3:38**
